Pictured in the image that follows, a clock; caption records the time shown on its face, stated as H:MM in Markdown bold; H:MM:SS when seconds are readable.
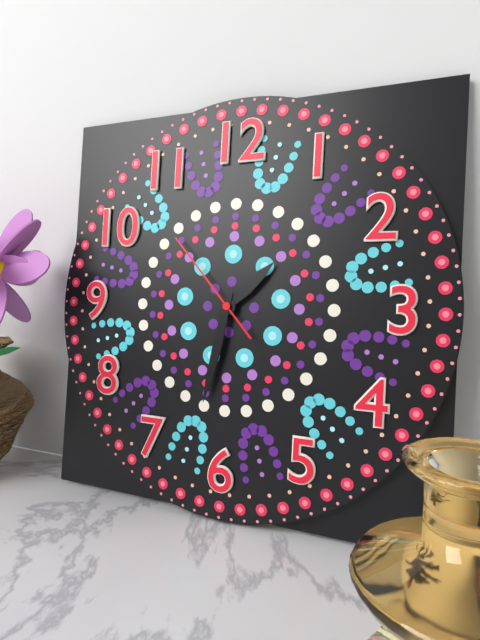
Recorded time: **1:32:53**
